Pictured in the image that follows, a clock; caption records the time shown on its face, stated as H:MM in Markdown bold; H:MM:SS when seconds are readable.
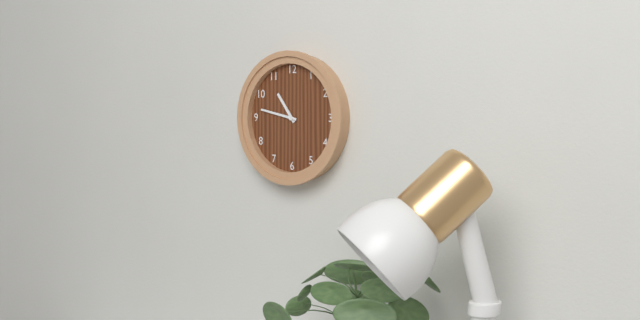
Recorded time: **10:47**
